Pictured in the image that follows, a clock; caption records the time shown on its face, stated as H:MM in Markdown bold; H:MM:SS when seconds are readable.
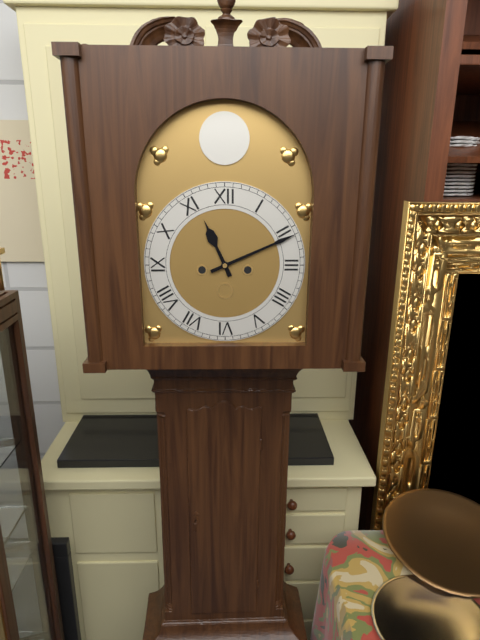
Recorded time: **11:11**
